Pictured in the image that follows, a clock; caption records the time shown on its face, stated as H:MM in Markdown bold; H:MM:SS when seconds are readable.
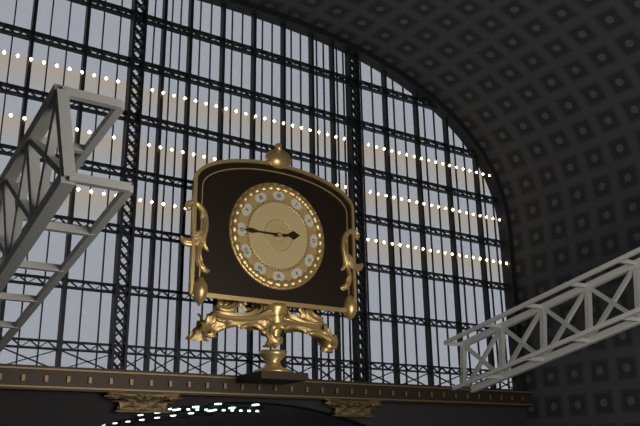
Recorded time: **2:45**
